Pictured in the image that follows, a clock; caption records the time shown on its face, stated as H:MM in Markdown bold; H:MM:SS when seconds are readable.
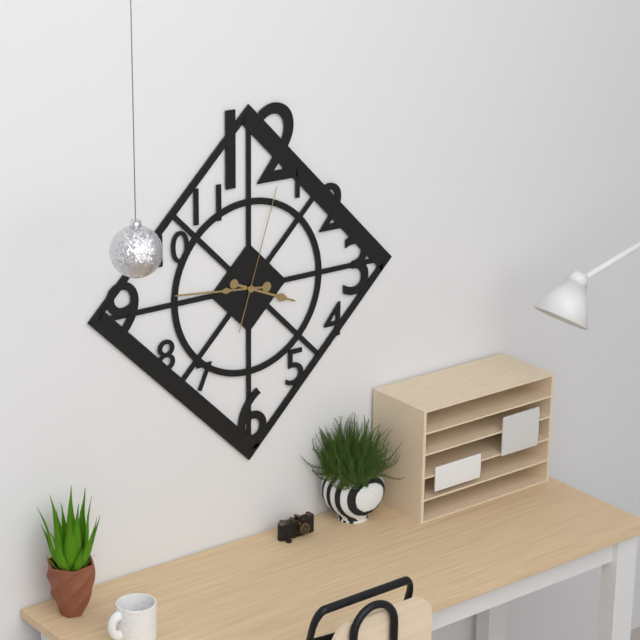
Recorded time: **3:46:03**
